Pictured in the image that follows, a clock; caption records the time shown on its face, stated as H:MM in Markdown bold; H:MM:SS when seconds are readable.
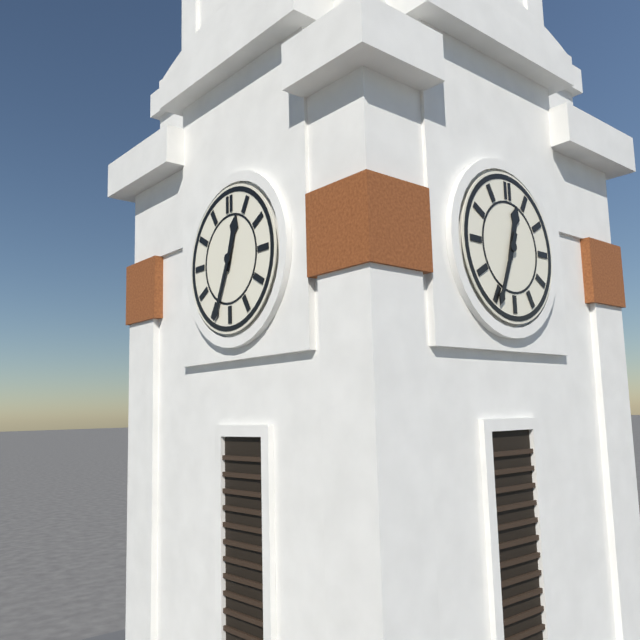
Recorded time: **12:34**
